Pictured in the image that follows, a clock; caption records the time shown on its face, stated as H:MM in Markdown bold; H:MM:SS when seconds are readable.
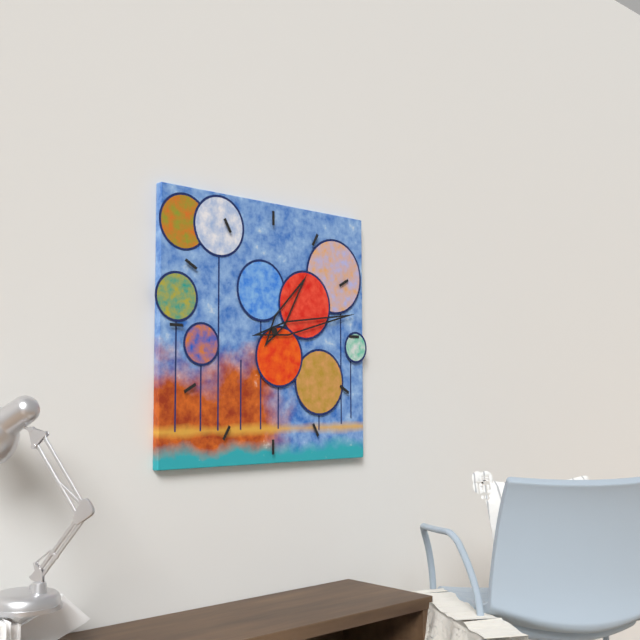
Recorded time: **1:13**
